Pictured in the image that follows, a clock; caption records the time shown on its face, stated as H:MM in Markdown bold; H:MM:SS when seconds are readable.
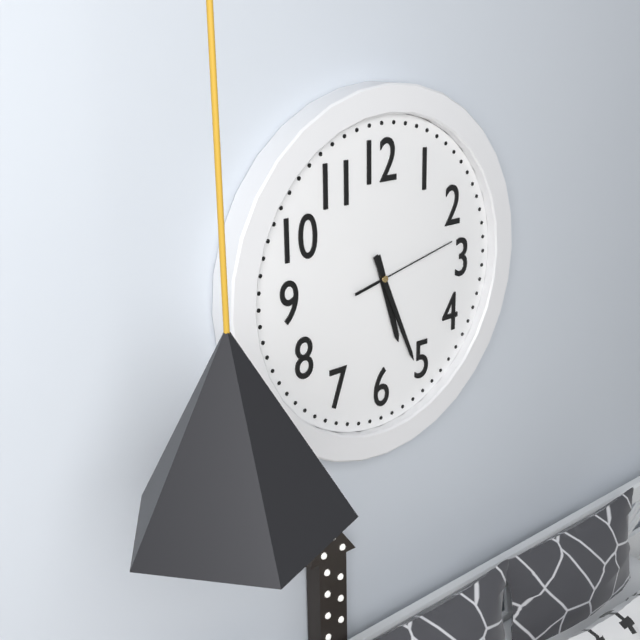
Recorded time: **5:26:13**
